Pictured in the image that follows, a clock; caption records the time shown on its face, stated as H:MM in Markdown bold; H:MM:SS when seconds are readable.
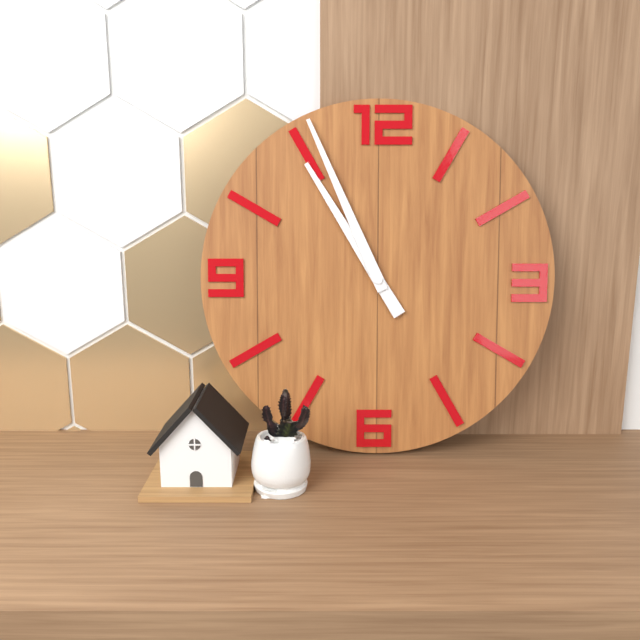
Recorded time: **10:56**
